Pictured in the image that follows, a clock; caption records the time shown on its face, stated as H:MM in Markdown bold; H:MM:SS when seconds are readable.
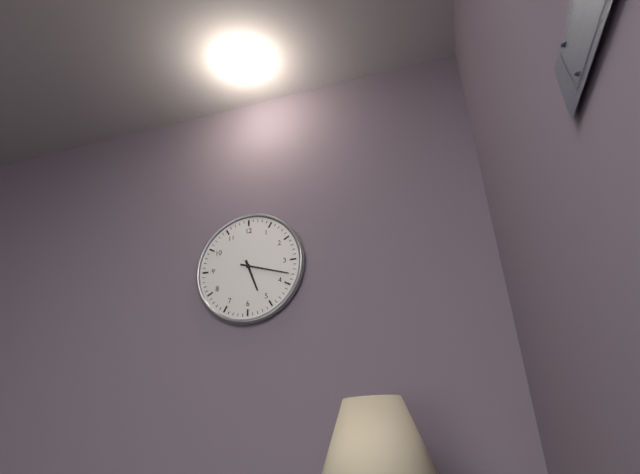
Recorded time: **5:18**
